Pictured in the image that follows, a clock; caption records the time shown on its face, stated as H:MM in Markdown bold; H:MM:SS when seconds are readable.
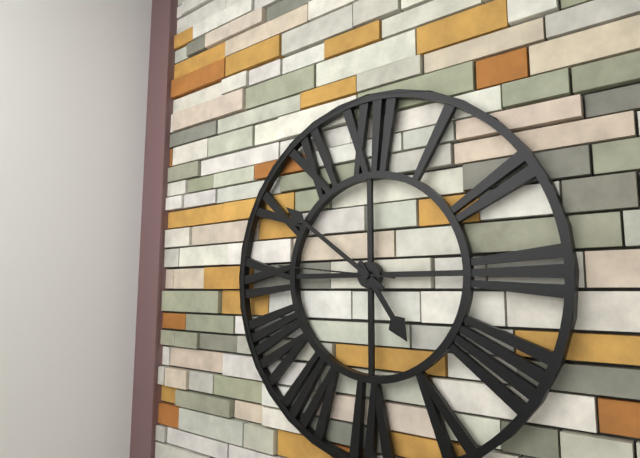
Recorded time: **4:51:46**
